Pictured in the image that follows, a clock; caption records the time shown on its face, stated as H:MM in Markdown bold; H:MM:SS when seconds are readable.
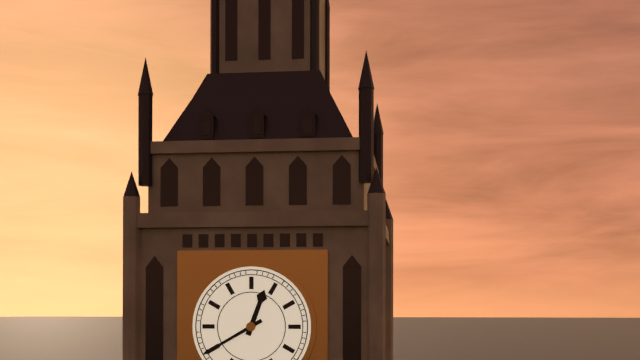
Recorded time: **12:40**
